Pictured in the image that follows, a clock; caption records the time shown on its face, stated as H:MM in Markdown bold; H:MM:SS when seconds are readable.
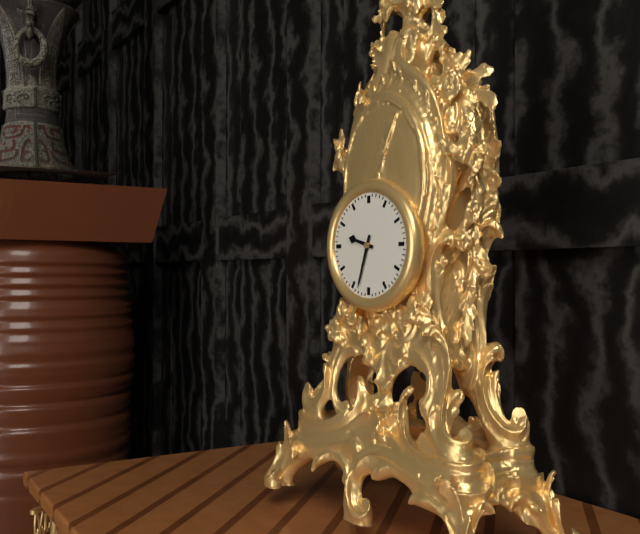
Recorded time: **9:33**
